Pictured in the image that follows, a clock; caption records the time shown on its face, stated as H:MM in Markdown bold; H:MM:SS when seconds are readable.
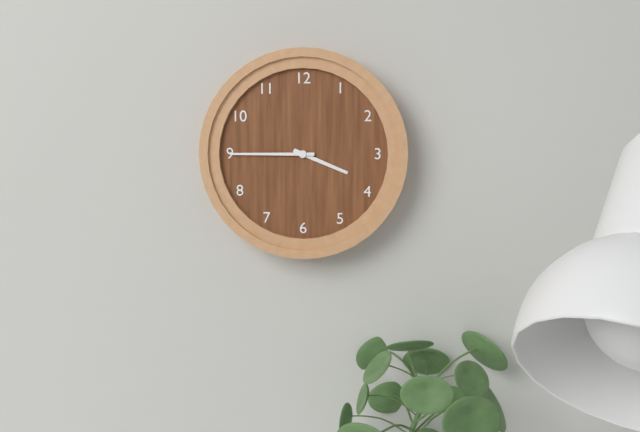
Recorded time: **3:45**
